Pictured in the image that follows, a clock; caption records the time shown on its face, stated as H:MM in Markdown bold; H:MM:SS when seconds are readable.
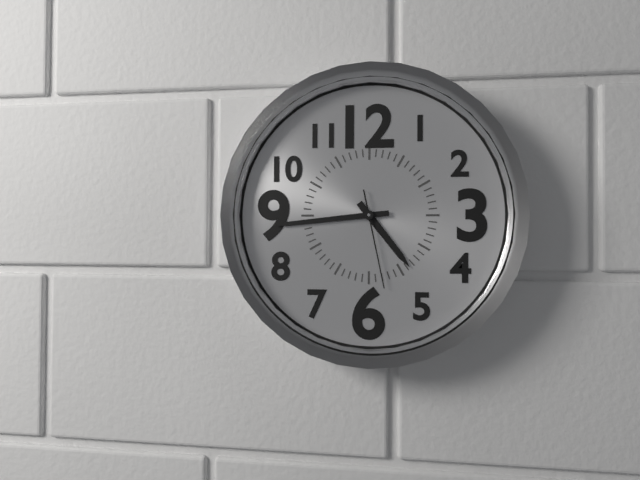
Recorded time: **4:44:28**
